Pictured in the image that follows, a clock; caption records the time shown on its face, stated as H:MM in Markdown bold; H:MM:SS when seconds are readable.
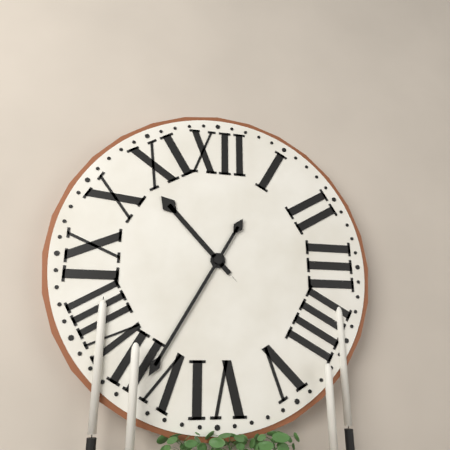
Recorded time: **10:35**
